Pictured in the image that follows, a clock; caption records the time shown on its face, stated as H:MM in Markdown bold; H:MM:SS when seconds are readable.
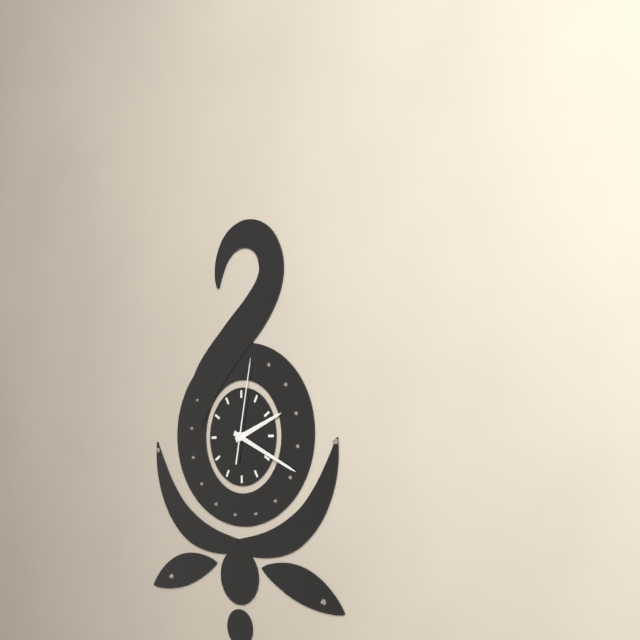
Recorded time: **2:19:02**
